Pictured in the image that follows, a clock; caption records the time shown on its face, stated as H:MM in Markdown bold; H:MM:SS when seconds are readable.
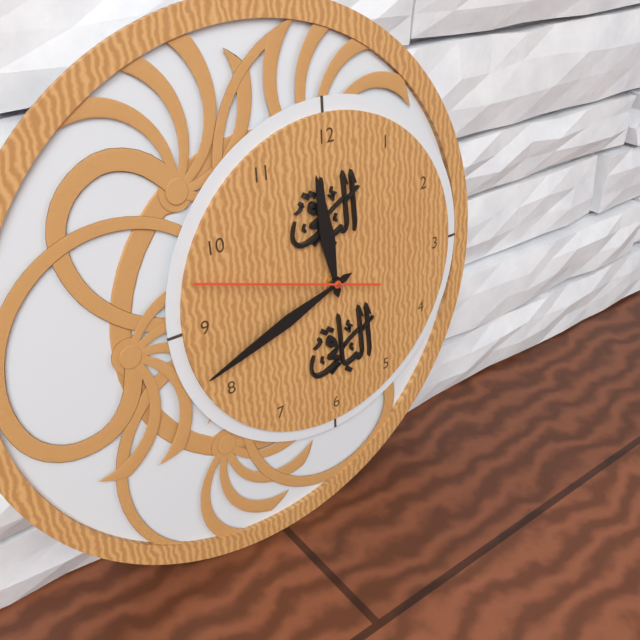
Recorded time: **11:42:48**
